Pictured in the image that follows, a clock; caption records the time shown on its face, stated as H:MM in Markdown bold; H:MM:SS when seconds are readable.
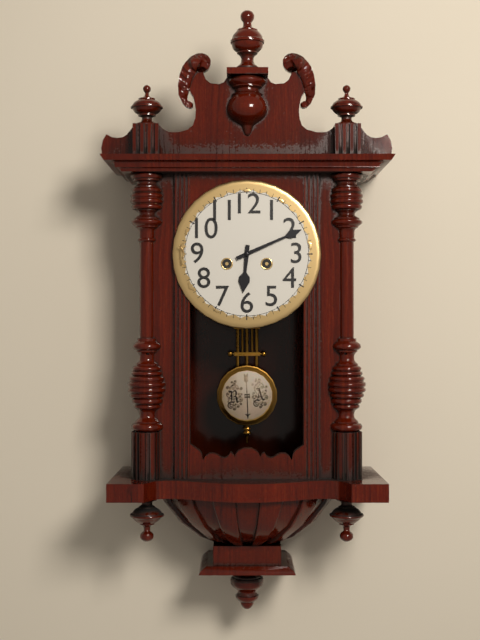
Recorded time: **6:11**
